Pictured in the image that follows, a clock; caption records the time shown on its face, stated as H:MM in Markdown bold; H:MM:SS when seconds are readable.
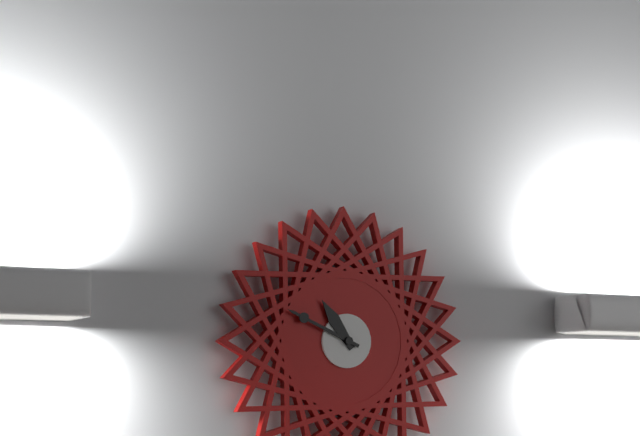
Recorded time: **10:49**
